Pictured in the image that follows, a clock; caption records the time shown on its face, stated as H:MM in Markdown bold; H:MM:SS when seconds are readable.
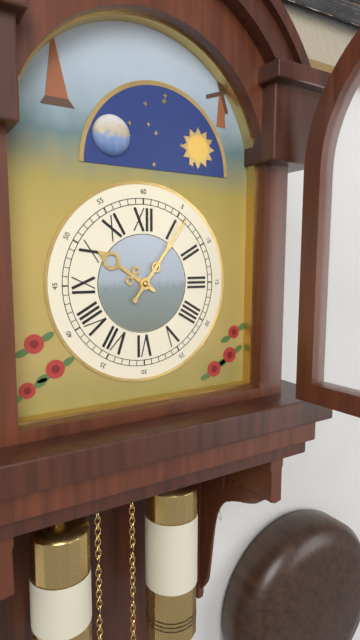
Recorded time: **10:06**
